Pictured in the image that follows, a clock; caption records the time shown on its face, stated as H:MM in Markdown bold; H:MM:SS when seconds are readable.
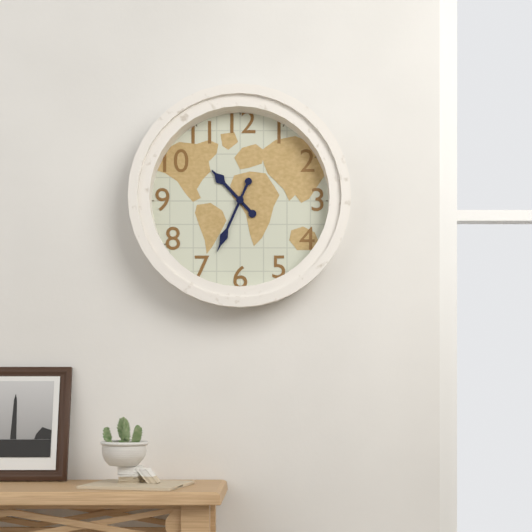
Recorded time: **10:34**
